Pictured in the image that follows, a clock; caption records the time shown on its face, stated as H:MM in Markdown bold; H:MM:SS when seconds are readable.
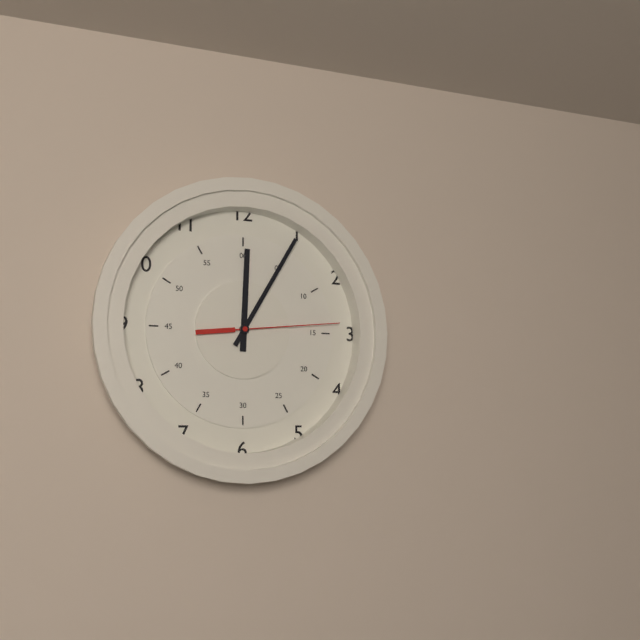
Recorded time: **12:05:14**
